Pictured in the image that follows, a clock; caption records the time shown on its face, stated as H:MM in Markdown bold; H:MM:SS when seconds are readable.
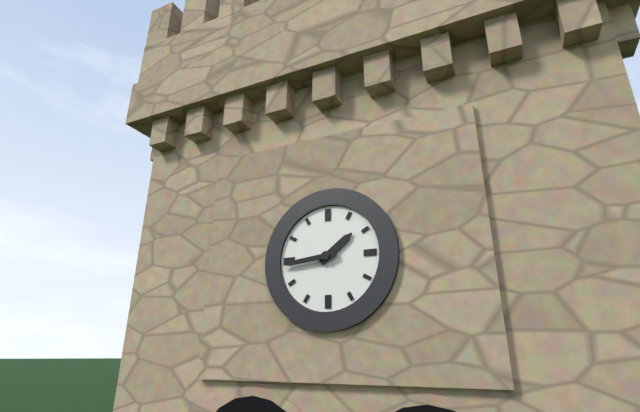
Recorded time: **1:44**
